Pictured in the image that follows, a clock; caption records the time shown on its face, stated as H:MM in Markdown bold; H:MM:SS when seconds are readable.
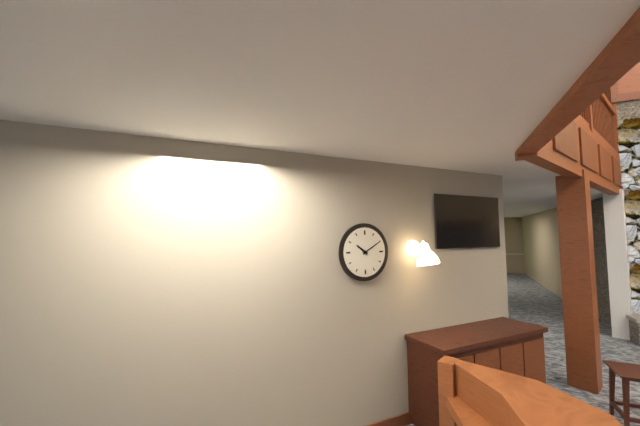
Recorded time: **10:10**
